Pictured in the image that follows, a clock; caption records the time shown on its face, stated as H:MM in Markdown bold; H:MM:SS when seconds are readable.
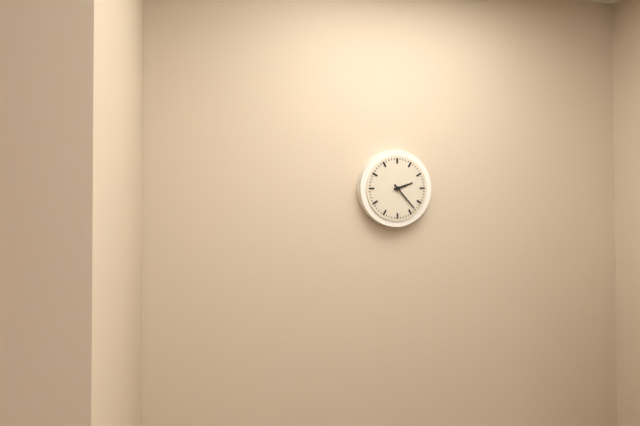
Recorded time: **2:23**
